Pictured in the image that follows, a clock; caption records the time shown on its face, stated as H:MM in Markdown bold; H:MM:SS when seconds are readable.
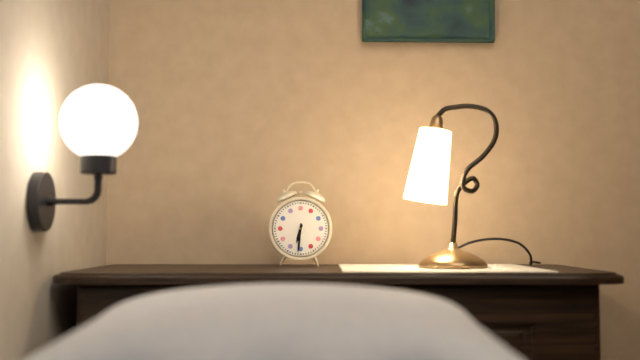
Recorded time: **6:31**
